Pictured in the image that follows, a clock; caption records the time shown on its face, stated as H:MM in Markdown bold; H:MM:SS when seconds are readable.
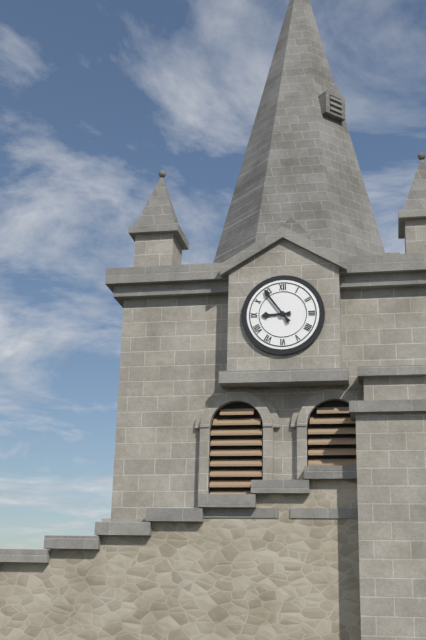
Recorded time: **8:54**
